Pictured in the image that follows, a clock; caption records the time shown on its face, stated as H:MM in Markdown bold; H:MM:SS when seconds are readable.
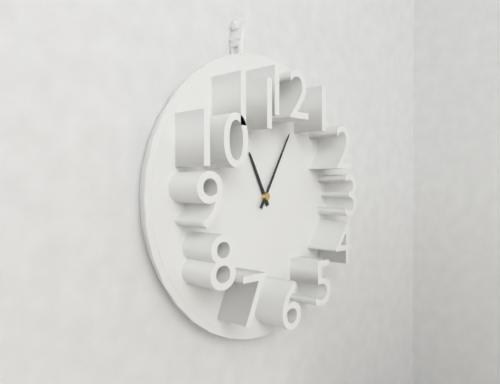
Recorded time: **11:05**
